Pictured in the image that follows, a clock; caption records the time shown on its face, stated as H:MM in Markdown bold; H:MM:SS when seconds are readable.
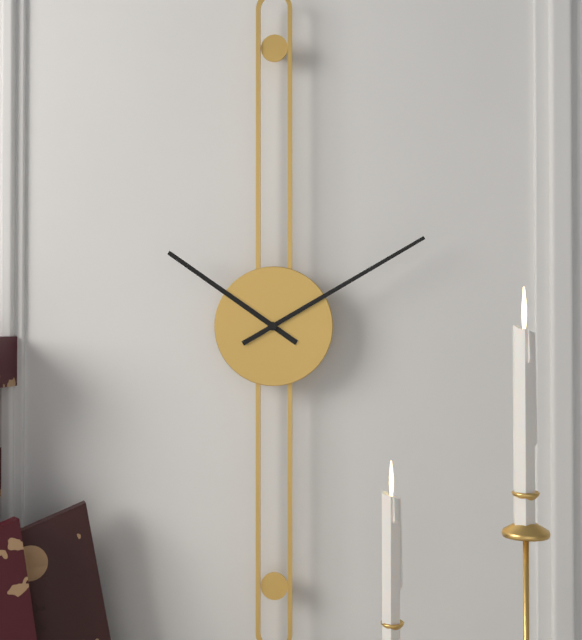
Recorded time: **10:10**
